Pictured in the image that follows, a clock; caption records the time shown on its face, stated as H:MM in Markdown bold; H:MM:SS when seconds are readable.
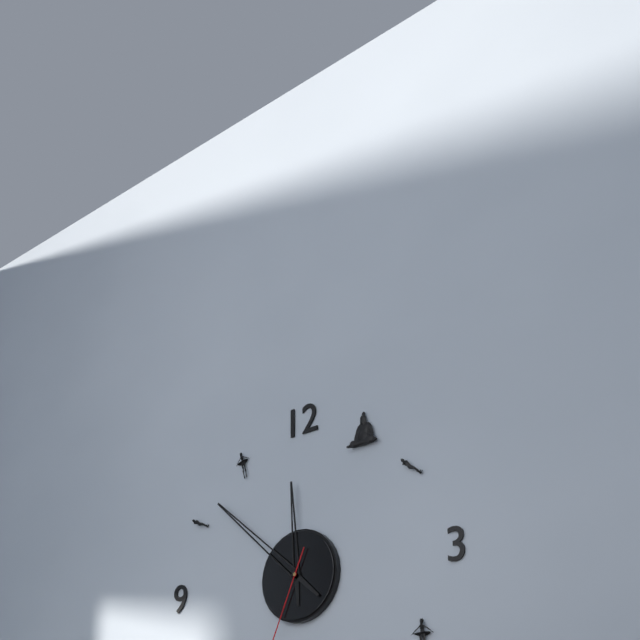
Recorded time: **11:52**
